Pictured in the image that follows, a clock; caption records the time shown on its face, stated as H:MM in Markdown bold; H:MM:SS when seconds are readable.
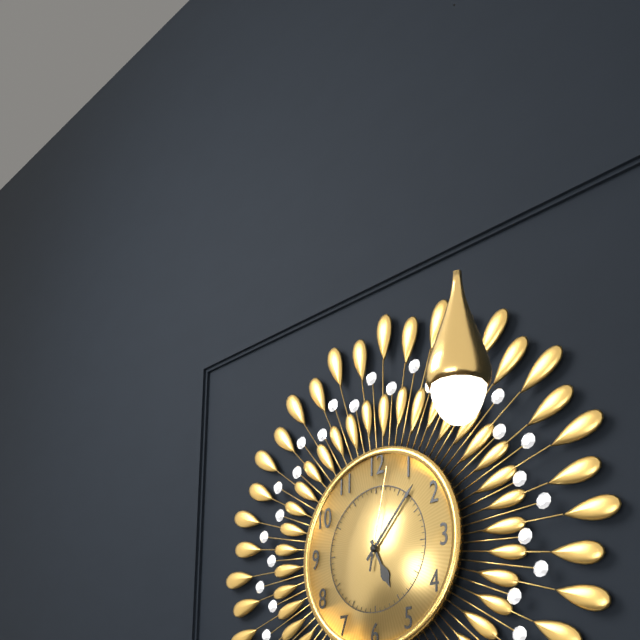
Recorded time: **5:07:02**
